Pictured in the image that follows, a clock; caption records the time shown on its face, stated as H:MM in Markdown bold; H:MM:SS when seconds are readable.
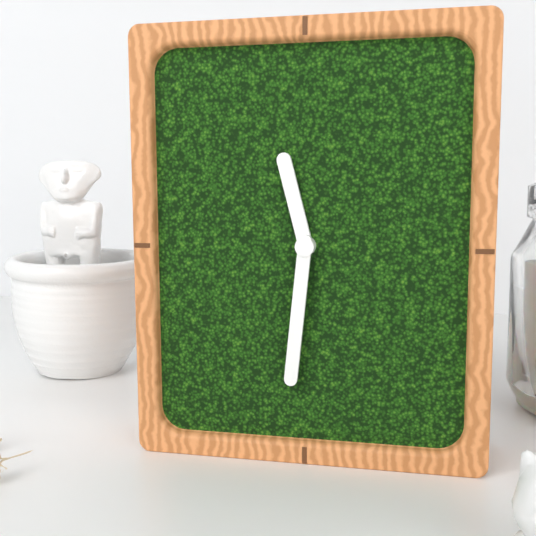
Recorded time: **11:31**
